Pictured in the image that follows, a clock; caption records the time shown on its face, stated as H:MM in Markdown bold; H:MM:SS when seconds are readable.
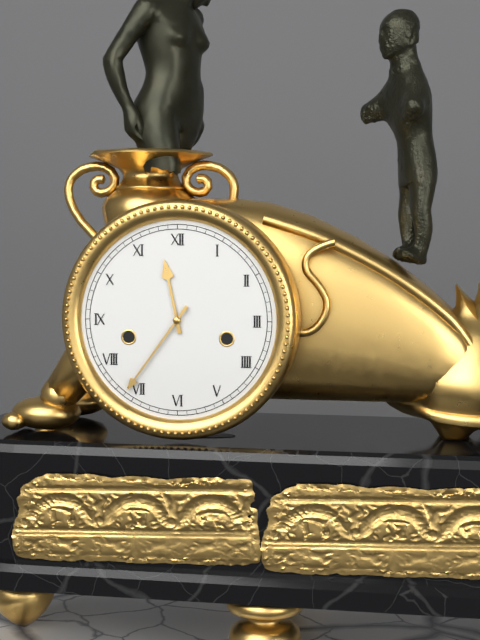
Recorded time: **11:36**
